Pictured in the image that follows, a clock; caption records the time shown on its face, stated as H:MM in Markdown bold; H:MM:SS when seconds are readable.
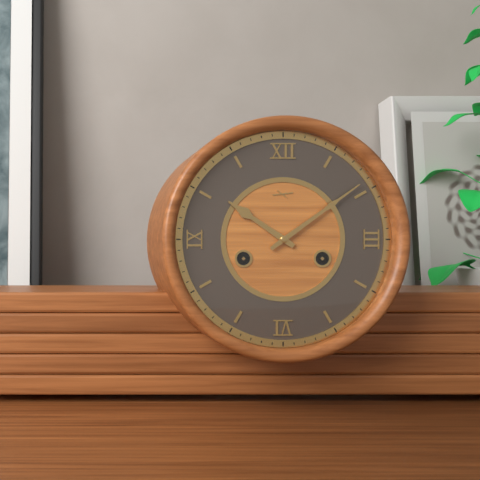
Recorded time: **10:09**
